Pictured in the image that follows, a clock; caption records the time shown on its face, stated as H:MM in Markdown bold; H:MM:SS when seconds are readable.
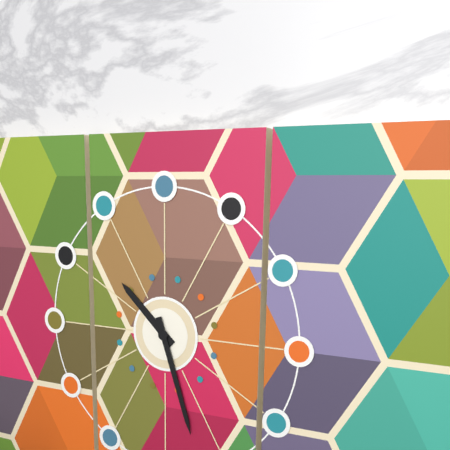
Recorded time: **10:27**
